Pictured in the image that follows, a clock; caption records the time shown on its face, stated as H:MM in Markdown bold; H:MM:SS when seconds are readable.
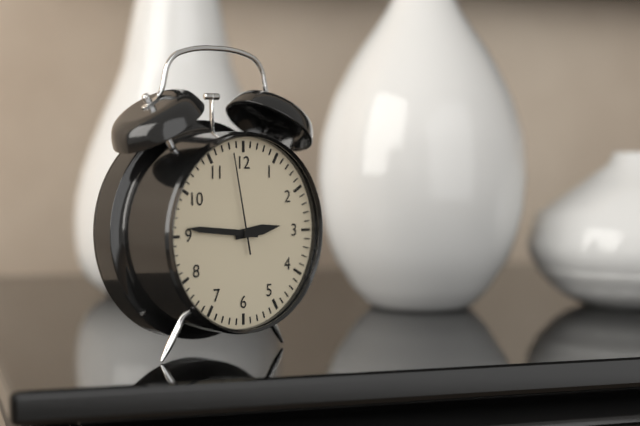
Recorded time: **2:46:58**
